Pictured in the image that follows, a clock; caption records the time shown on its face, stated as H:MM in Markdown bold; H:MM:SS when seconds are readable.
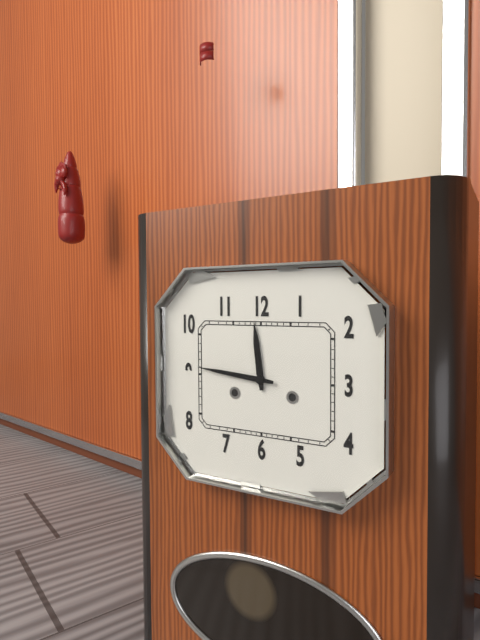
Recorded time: **11:46**
